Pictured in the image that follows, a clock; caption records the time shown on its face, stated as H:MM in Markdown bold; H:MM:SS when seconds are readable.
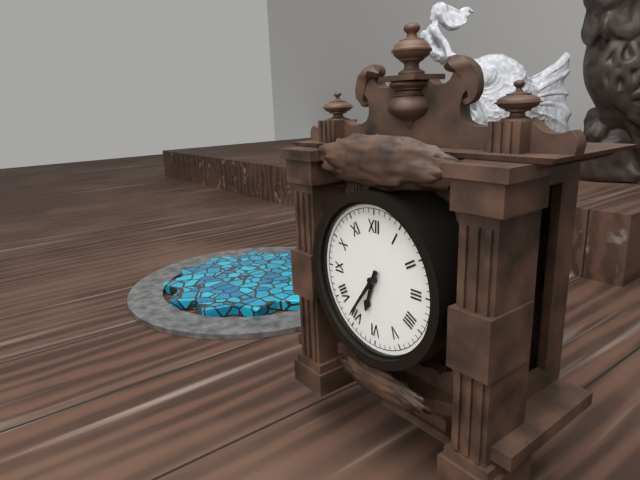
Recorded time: **6:36**
